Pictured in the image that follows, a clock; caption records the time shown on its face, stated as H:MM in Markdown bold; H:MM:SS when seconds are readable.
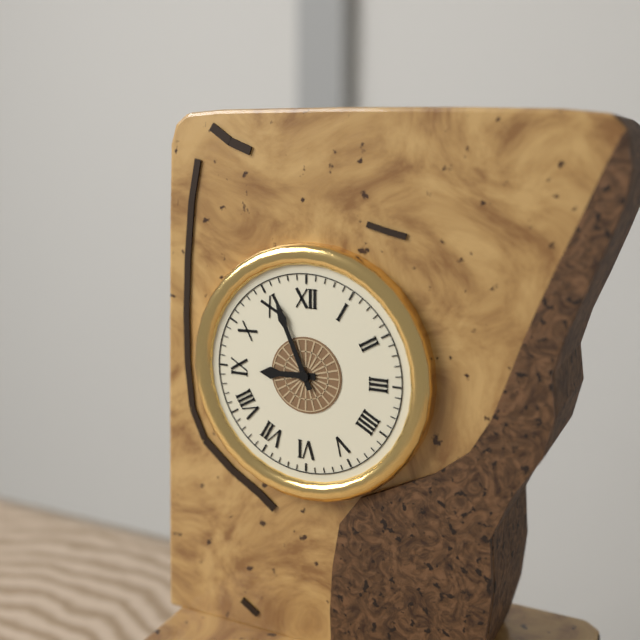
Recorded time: **8:56**
